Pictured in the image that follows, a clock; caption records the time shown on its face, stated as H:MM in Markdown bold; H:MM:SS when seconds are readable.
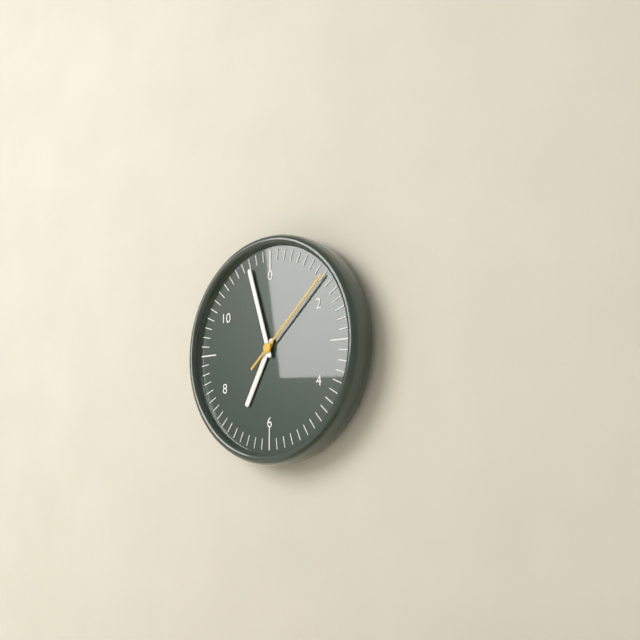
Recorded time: **6:57:08**
